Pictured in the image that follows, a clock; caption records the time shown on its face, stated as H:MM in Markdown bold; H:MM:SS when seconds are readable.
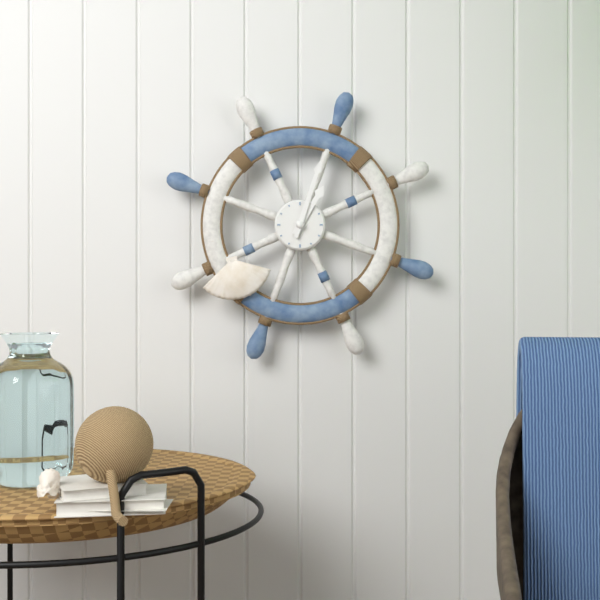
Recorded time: **1:03**
